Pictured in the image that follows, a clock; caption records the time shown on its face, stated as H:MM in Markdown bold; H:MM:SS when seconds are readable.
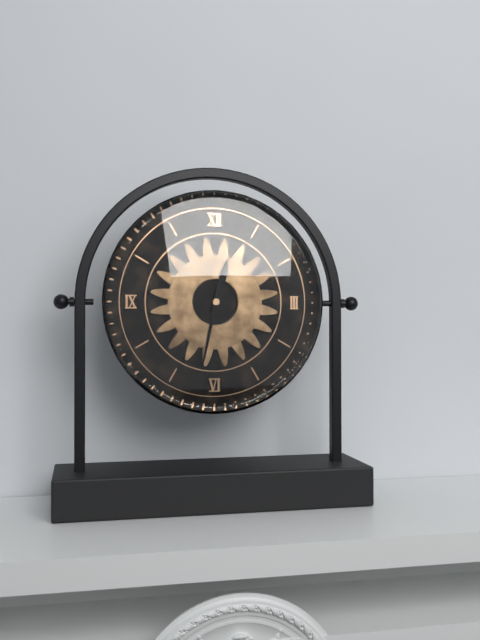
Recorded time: **12:32**
